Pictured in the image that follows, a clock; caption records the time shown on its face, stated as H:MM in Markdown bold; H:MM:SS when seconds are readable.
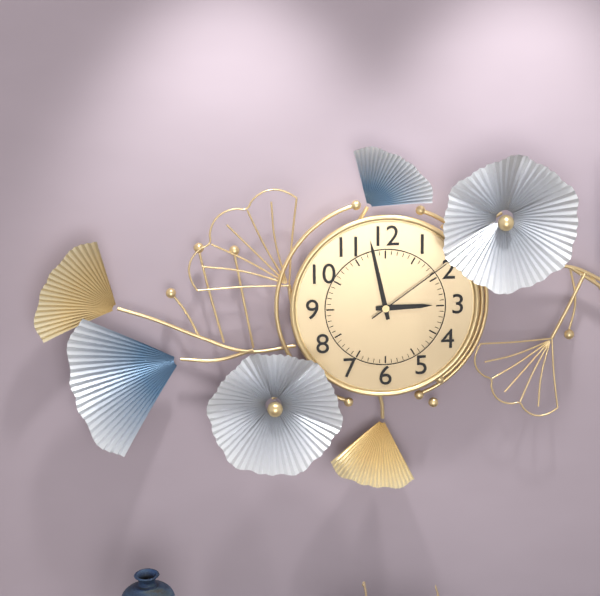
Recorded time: **2:58:09**
